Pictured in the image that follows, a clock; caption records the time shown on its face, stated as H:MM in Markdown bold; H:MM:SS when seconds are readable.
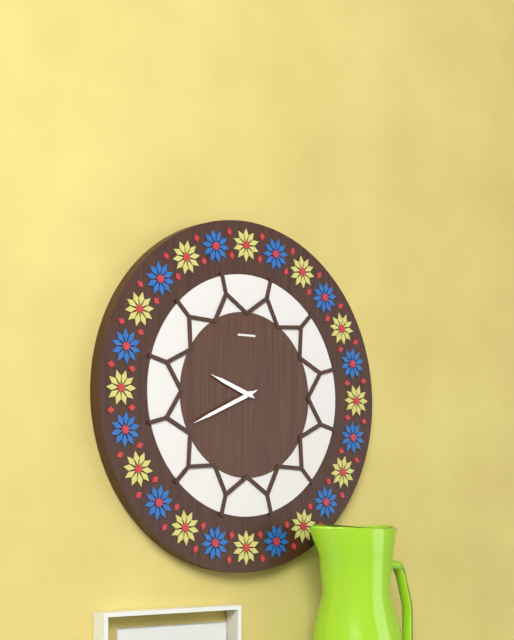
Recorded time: **9:41**
